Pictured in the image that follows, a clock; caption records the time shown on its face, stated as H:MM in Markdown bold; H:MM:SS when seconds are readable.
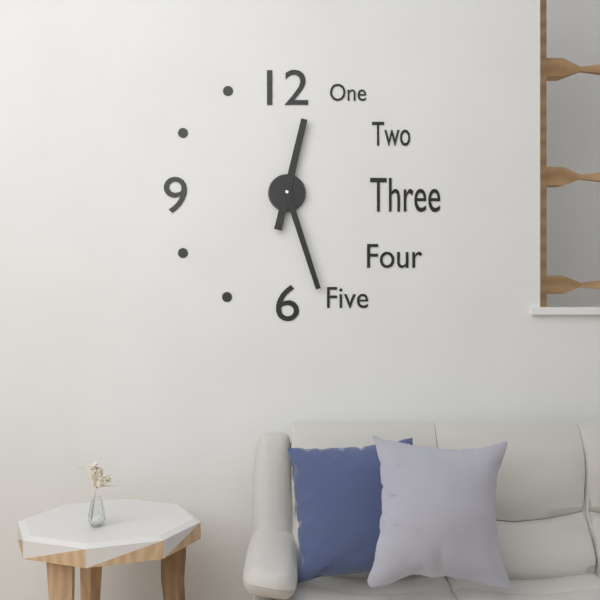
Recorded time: **12:27**
